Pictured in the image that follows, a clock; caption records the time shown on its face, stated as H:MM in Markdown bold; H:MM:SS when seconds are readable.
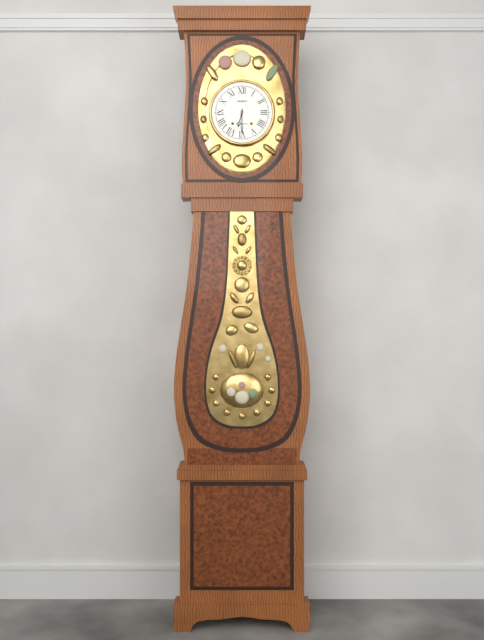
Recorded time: **6:30**
